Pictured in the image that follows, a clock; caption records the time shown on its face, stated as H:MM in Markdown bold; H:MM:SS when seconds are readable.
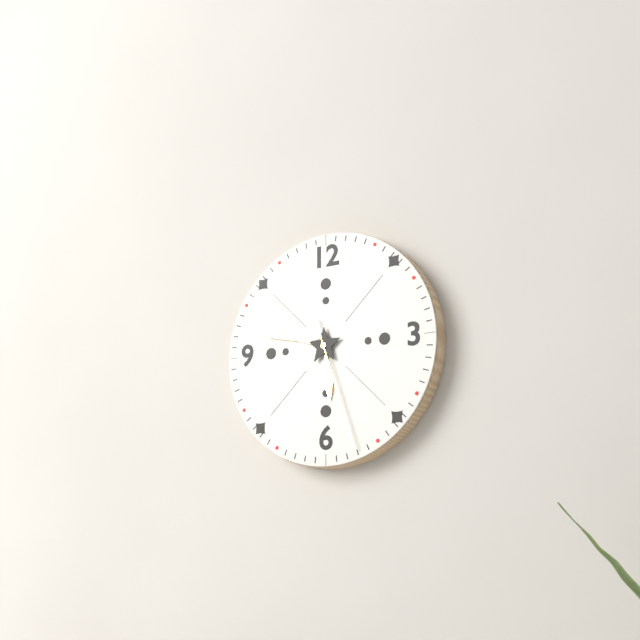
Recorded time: **5:48:27**
